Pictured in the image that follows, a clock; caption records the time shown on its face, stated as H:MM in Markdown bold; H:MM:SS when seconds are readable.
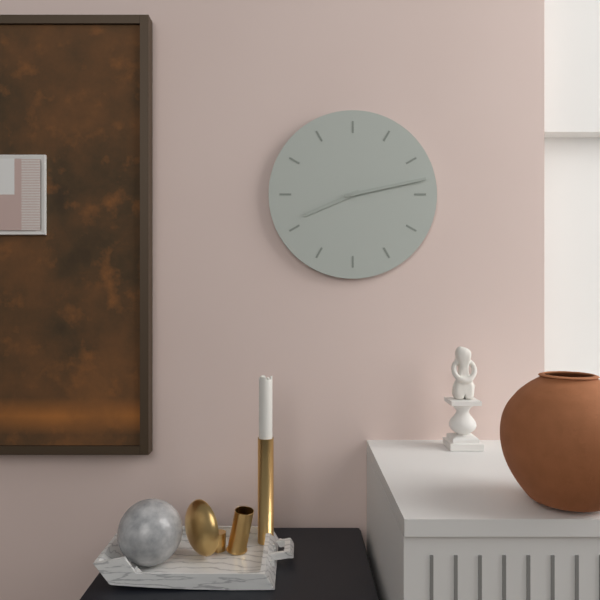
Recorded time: **8:13**
